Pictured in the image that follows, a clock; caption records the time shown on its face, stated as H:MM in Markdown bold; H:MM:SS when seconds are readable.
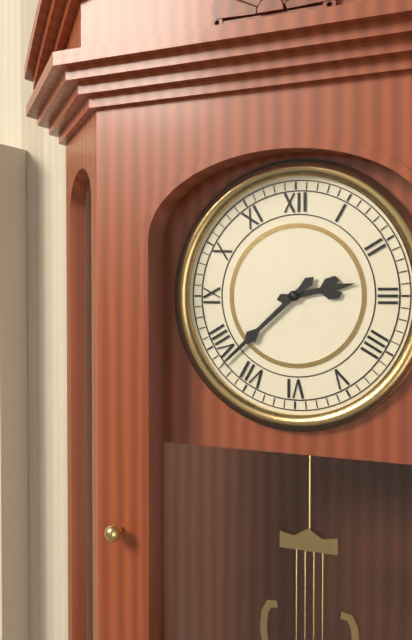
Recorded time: **2:38**
